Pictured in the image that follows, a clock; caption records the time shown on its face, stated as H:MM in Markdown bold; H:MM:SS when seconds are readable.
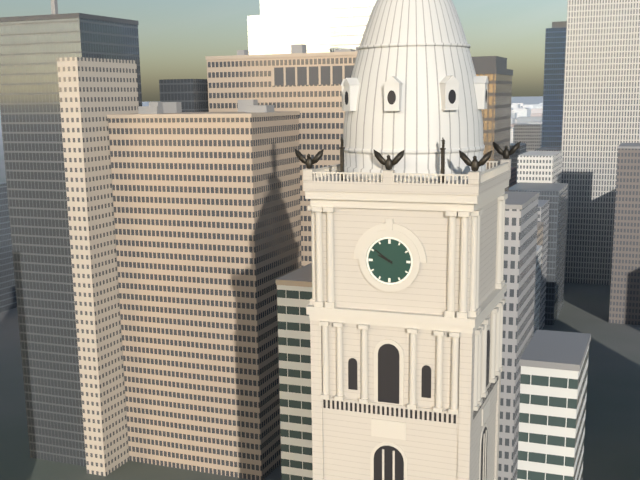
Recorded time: **9:51**
